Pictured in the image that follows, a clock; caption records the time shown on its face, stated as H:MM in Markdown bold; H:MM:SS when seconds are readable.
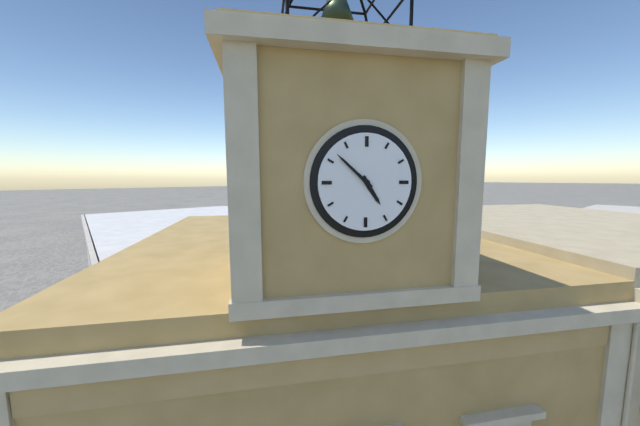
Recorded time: **4:52**
